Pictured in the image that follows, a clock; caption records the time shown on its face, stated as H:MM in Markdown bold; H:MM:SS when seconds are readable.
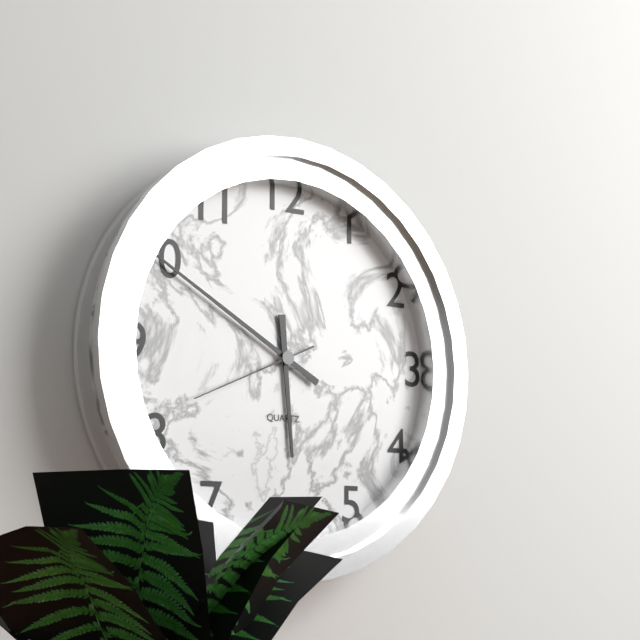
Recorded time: **5:50:41**
